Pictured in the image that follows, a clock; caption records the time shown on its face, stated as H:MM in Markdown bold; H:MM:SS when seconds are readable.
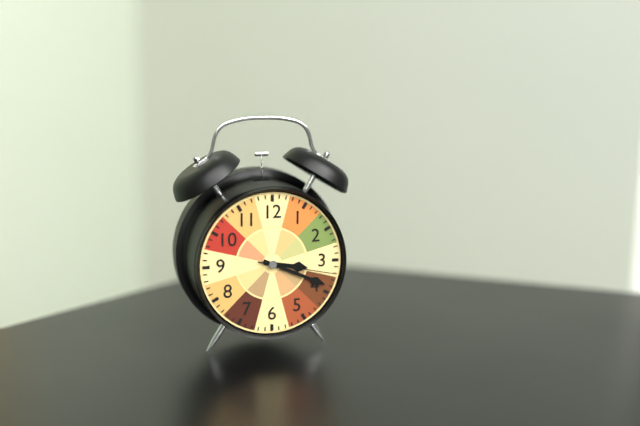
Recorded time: **3:19:17**
